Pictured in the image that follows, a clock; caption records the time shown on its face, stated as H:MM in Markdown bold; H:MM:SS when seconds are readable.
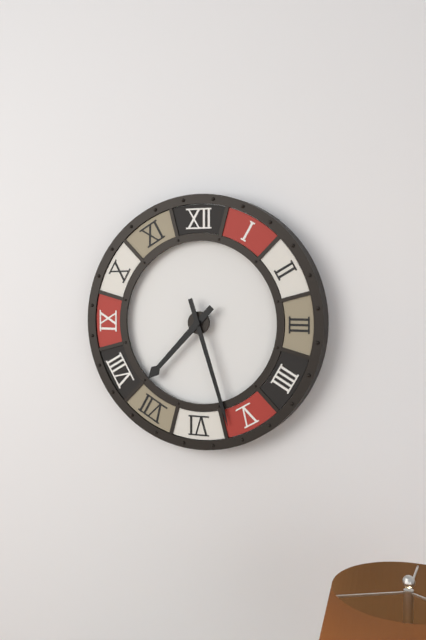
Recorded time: **7:27**
